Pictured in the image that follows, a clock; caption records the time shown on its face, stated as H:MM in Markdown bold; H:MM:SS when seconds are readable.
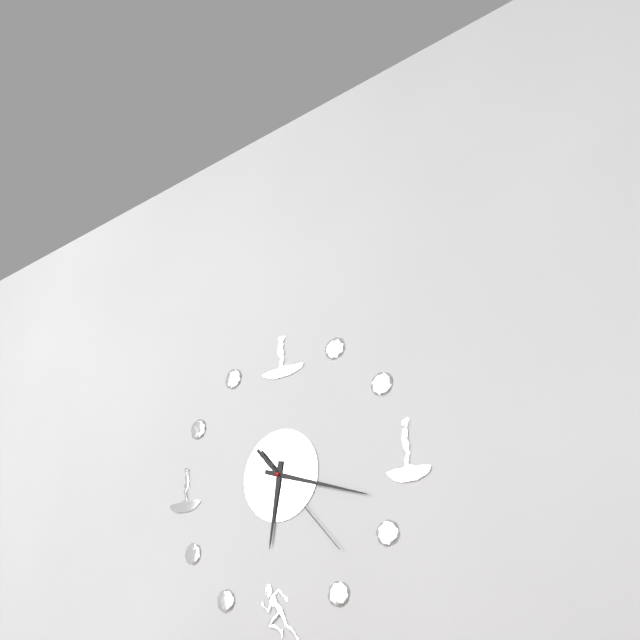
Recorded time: **6:18:23**
